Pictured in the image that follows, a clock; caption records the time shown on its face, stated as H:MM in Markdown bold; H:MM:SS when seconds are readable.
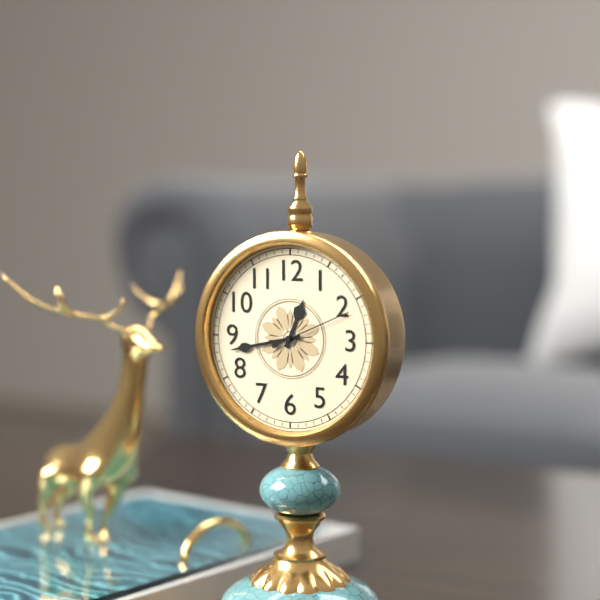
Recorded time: **12:43:11**
